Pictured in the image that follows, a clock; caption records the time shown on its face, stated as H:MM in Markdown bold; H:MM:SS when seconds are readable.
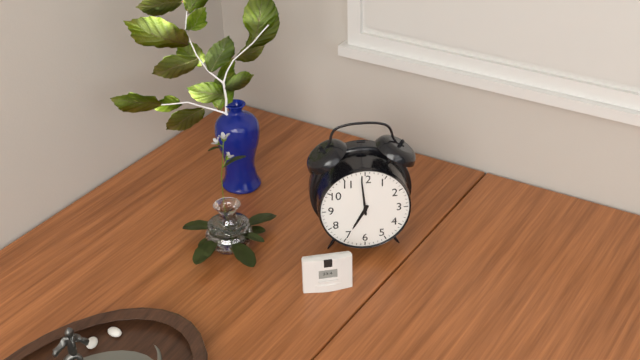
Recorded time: **6:59**
